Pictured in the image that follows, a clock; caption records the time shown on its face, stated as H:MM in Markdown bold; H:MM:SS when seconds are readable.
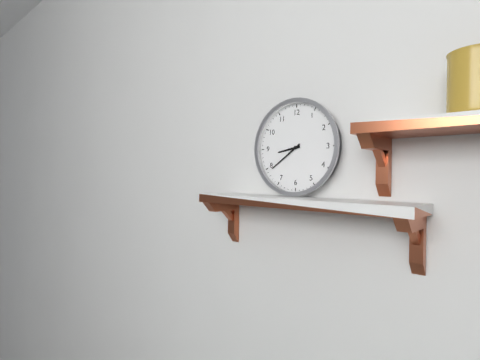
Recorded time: **8:39**
